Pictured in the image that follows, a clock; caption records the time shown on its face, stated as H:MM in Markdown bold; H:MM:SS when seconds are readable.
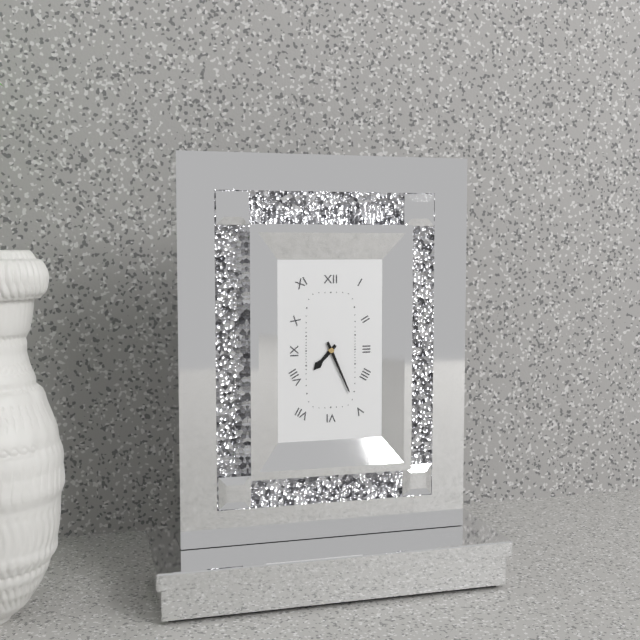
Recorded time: **7:26**
